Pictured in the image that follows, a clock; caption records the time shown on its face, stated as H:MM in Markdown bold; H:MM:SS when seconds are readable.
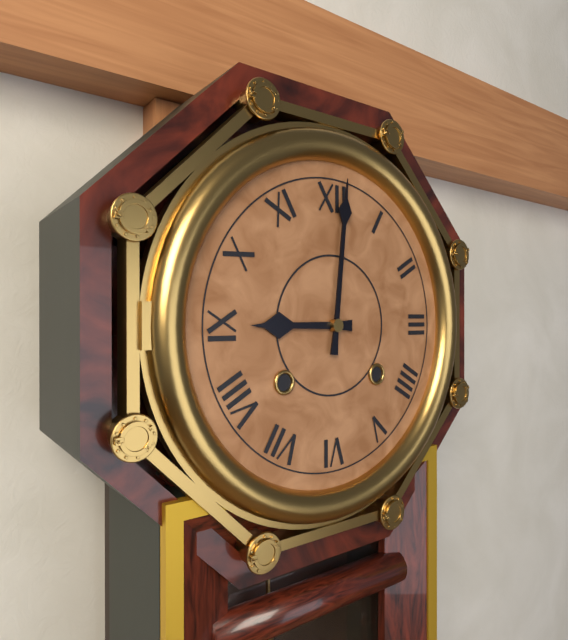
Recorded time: **9:01**
